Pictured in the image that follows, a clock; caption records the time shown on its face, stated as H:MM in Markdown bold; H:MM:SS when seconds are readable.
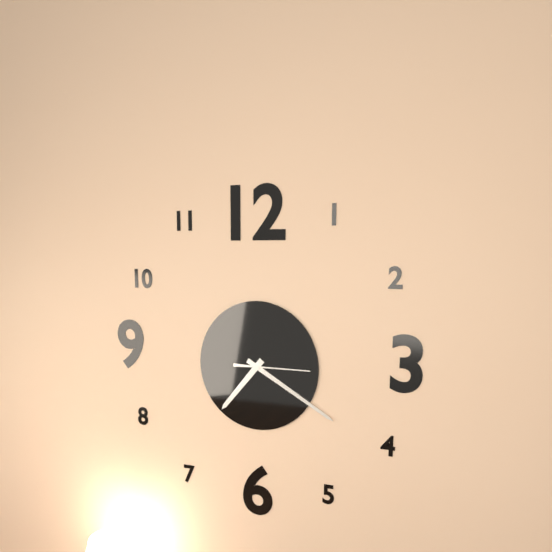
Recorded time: **7:20:15**
